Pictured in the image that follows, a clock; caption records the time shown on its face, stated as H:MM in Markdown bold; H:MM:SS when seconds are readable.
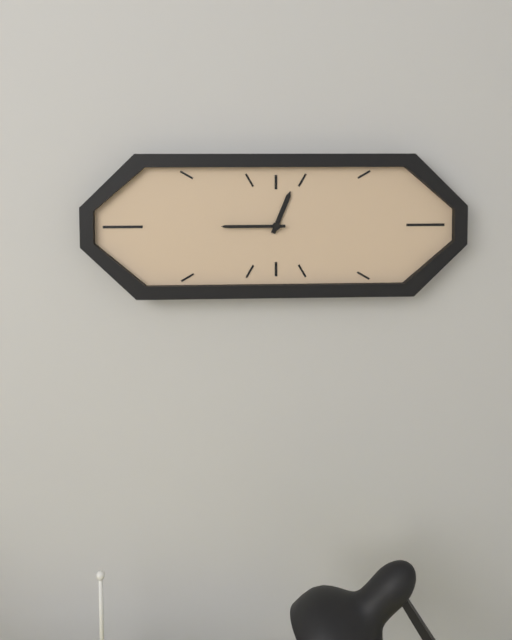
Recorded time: **12:45**
